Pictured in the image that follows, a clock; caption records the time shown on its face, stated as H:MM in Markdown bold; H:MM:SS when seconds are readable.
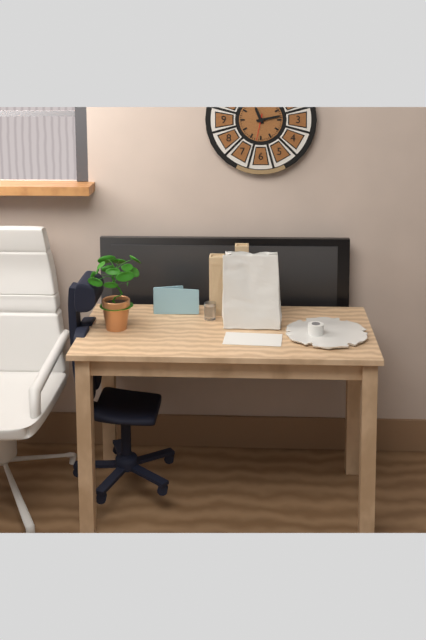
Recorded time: **11:13**
